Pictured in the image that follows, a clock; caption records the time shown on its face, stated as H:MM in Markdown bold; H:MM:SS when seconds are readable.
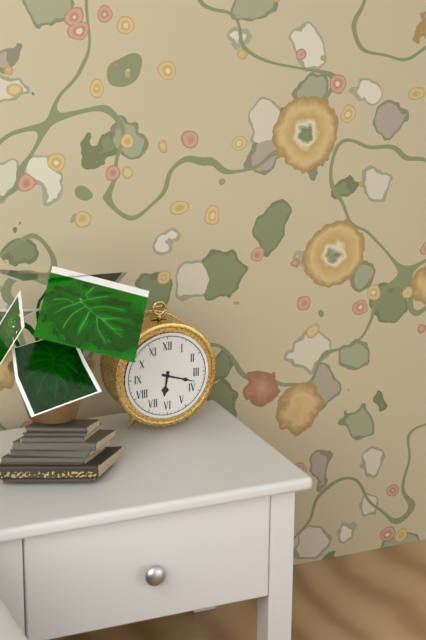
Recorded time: **6:18**
